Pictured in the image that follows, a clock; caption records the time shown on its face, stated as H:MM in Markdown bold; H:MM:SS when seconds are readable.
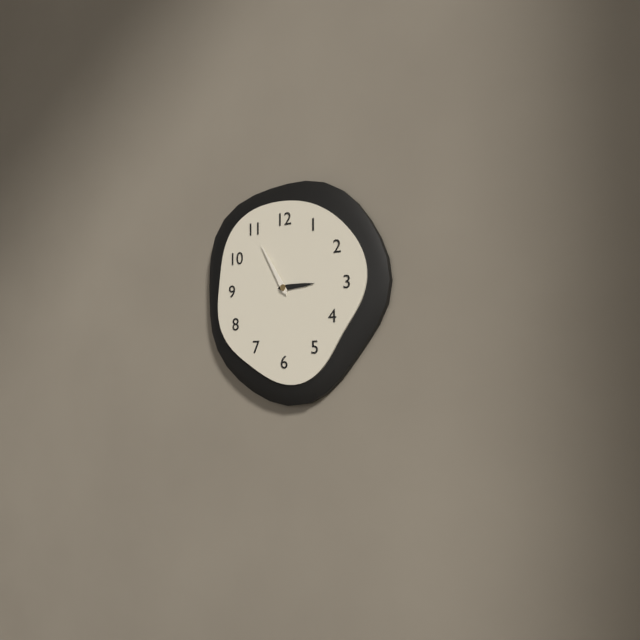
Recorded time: **2:55**
